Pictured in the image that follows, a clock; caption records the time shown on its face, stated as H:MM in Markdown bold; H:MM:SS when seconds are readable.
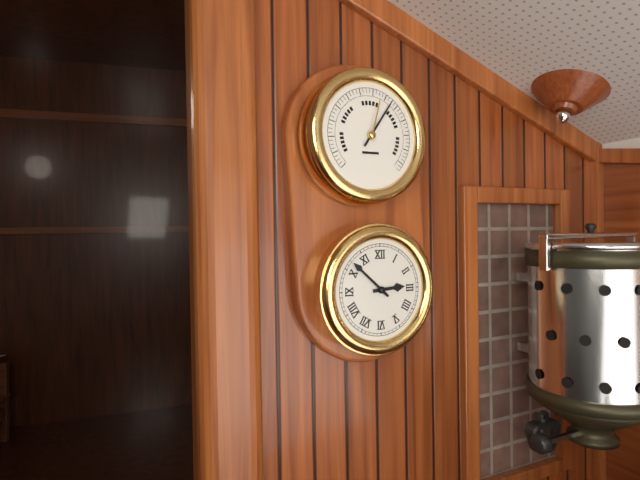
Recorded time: **2:52**
